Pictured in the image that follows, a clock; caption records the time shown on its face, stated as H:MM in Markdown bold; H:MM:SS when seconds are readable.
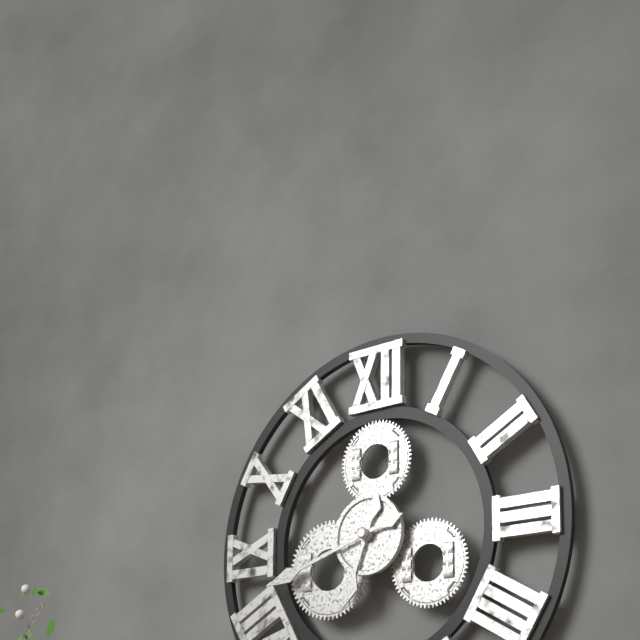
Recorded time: **6:42**
